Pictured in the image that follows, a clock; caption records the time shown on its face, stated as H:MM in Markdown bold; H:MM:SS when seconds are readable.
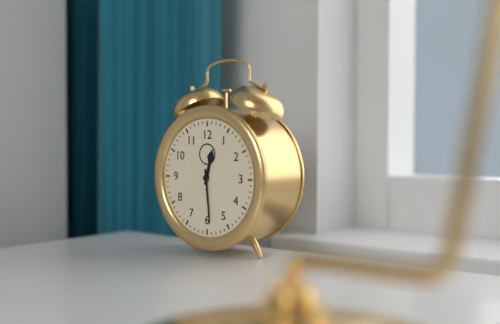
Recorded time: **12:29**
